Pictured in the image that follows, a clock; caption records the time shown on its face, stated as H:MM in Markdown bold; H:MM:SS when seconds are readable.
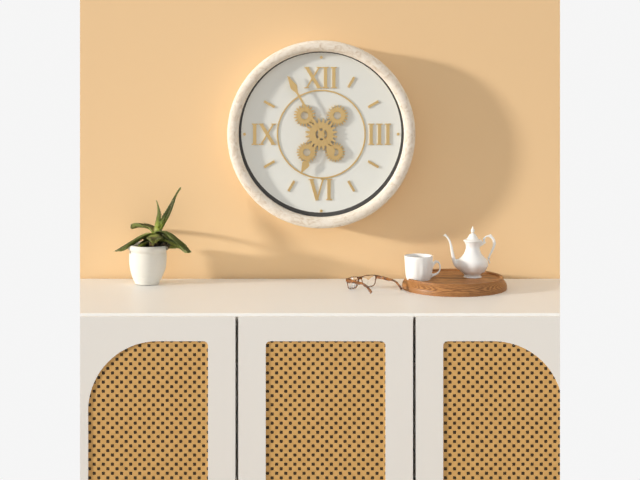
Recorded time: **6:55**
